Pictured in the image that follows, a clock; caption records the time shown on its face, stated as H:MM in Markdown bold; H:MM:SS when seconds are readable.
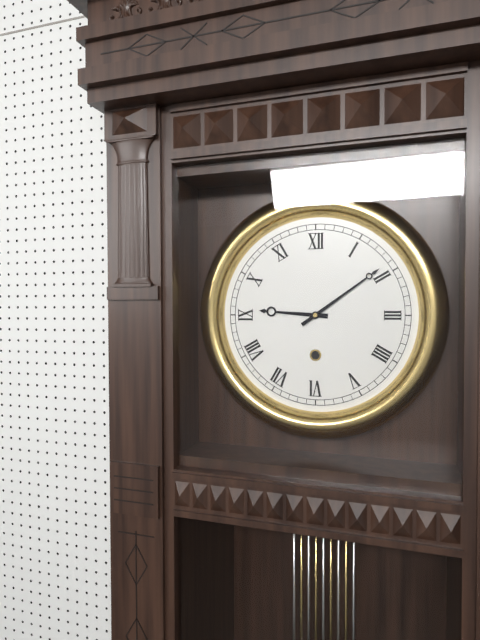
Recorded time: **9:09**
